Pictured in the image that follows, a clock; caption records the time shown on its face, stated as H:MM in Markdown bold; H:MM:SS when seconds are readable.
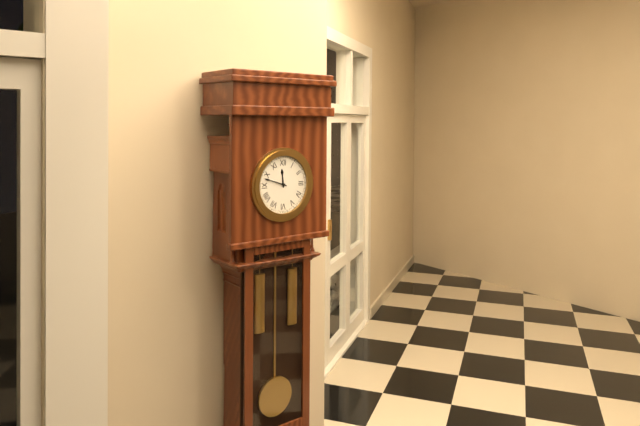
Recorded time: **11:48**
